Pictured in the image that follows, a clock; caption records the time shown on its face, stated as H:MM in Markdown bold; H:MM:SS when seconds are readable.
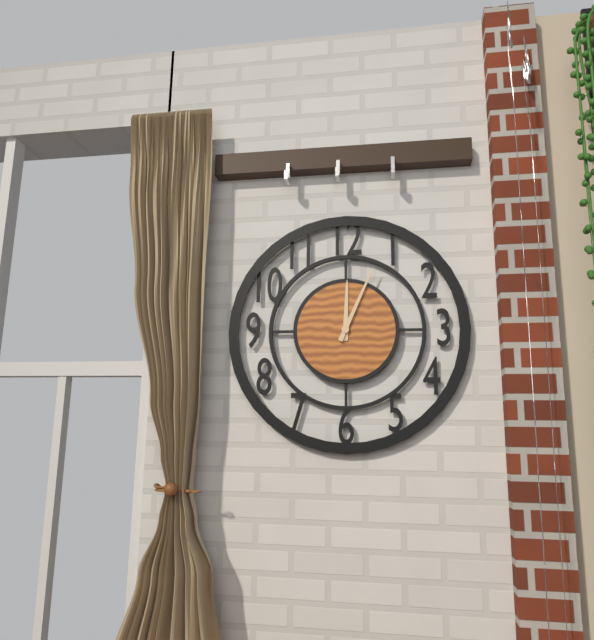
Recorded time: **12:04**
